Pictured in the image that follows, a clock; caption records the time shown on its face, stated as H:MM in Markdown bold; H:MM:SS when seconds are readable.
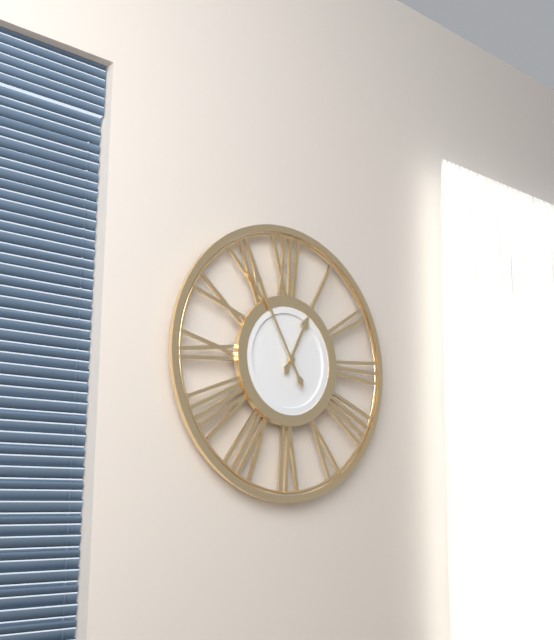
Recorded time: **12:55**
